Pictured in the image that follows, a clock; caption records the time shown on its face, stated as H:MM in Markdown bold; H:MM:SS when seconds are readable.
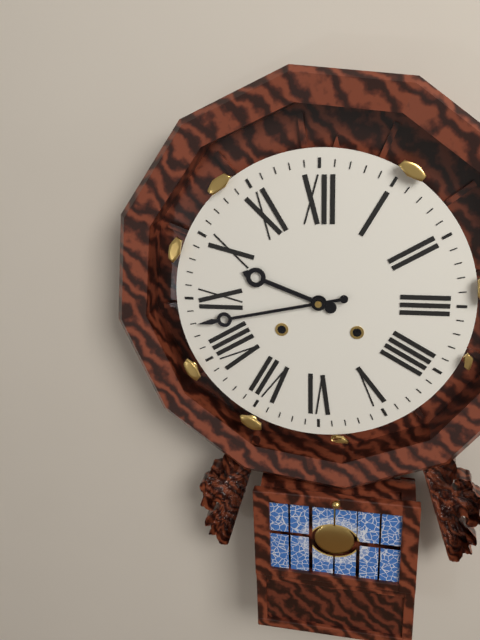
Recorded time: **9:43**
